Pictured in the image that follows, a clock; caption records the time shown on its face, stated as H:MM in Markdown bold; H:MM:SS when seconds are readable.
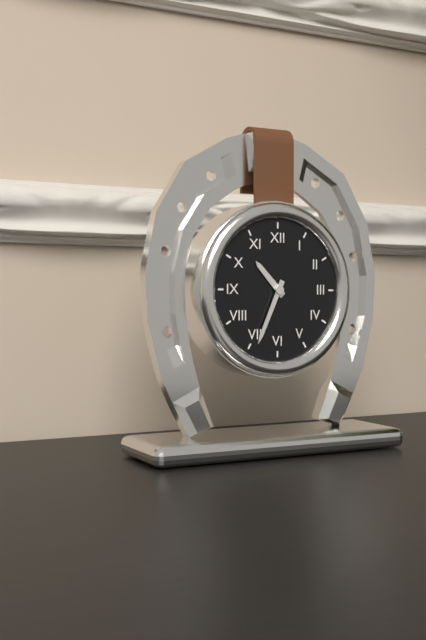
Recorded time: **10:34**
